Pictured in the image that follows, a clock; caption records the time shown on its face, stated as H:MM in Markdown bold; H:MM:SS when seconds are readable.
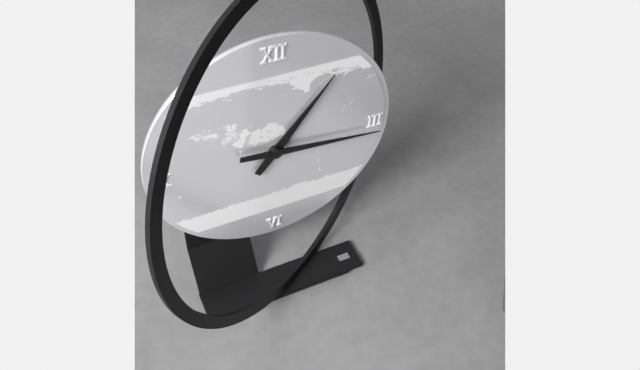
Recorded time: **1:16**
